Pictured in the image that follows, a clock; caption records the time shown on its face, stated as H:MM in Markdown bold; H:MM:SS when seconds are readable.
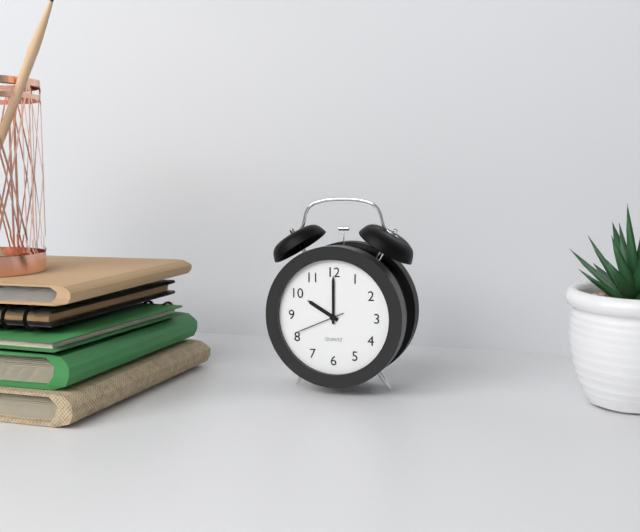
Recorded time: **10:00:41**
